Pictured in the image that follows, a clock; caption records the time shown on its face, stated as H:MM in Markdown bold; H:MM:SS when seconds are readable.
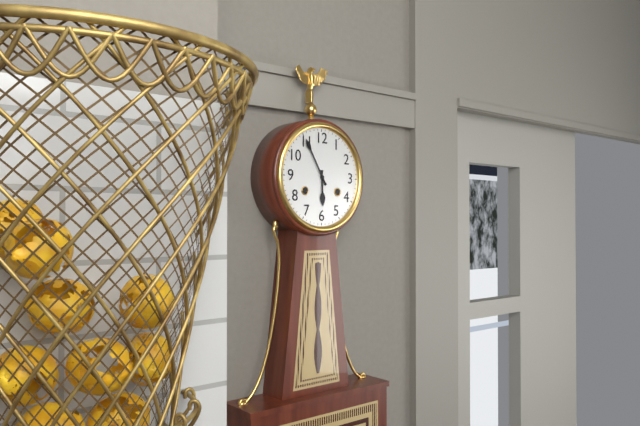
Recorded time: **5:55**
